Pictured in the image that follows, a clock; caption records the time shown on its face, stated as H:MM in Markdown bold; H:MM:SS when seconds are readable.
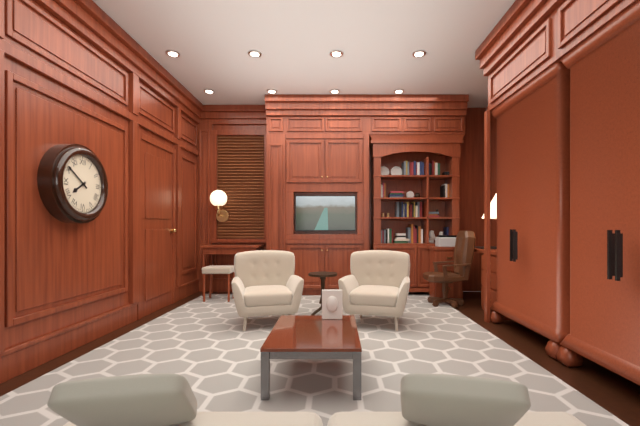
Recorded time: **7:51**
